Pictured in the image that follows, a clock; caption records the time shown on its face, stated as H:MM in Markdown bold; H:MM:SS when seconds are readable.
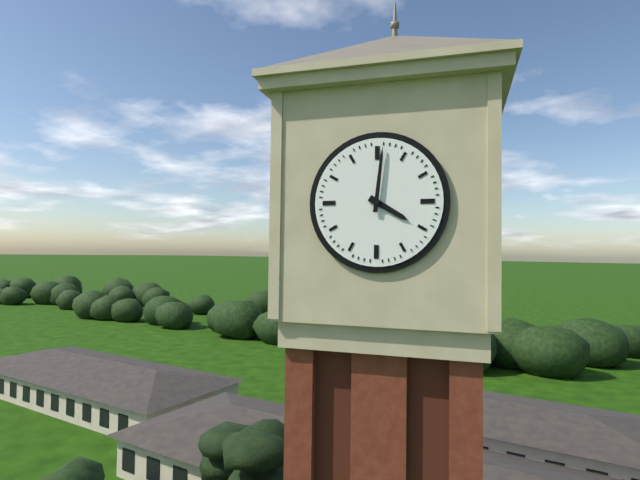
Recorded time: **4:01**
